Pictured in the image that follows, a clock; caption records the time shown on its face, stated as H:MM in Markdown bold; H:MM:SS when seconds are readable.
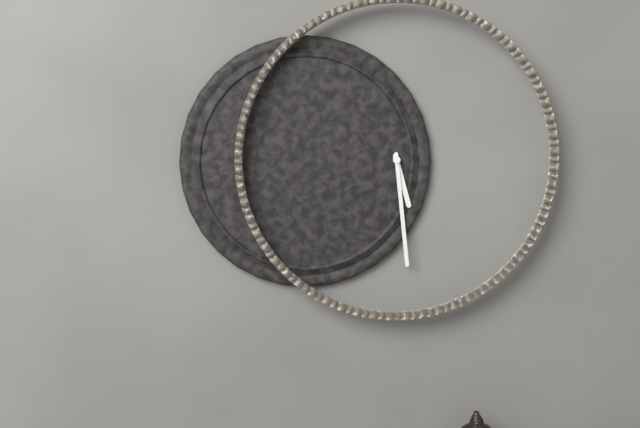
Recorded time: **5:29**
